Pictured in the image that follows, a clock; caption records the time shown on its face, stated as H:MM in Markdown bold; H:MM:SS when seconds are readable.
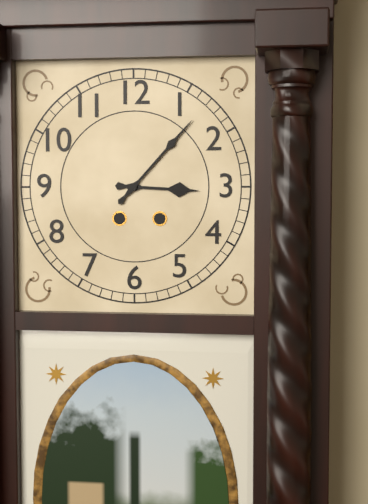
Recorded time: **3:07**
